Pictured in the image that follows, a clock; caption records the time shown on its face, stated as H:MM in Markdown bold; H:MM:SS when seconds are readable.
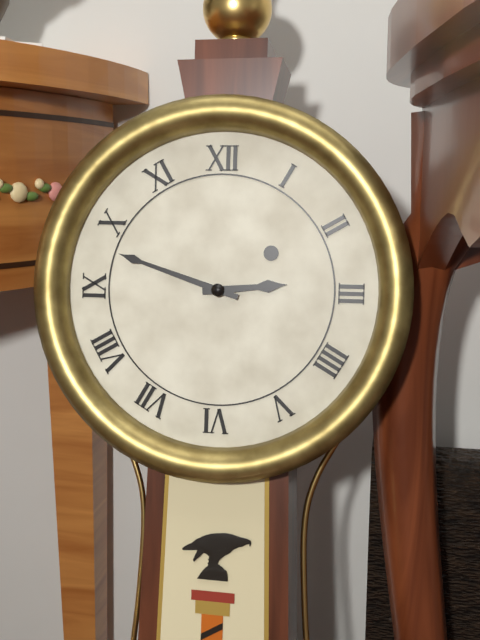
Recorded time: **2:48**
